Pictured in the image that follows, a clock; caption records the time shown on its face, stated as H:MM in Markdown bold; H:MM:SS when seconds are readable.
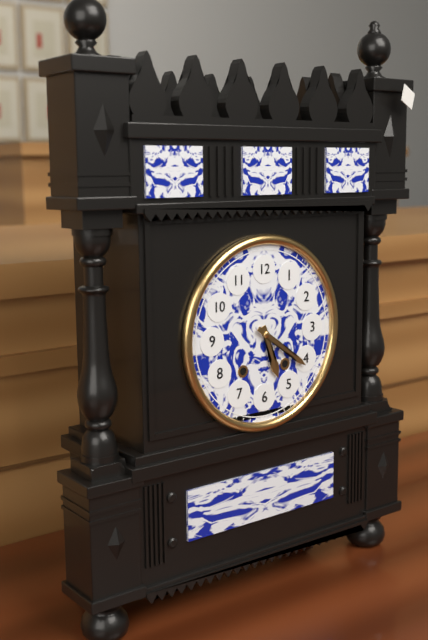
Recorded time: **5:21**
